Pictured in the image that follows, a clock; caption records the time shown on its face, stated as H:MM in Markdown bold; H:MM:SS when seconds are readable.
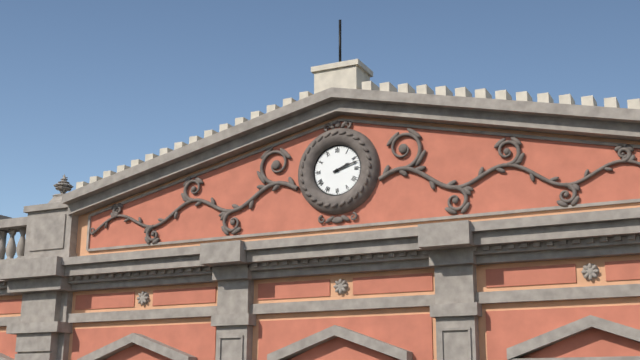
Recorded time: **2:12**
